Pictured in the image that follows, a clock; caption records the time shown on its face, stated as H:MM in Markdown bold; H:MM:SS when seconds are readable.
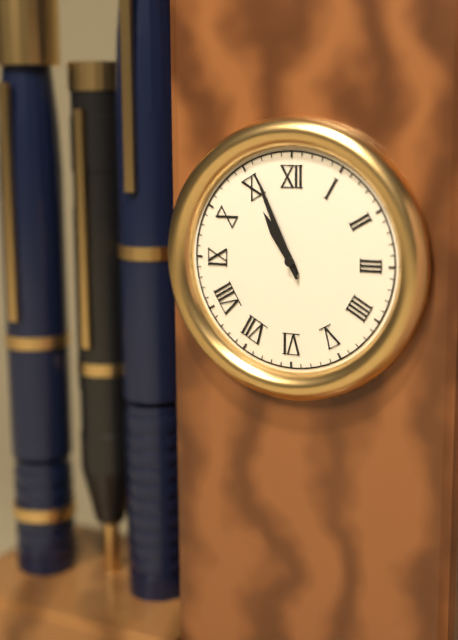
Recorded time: **10:56**
